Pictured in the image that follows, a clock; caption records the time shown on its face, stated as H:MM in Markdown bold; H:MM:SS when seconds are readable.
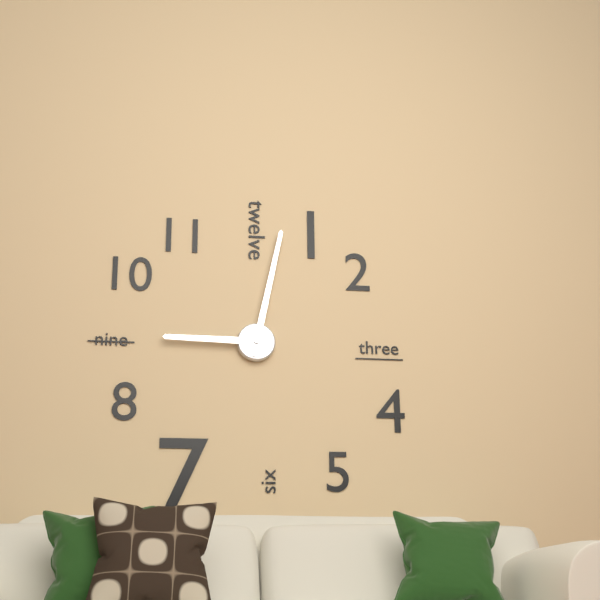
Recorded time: **9:02**
